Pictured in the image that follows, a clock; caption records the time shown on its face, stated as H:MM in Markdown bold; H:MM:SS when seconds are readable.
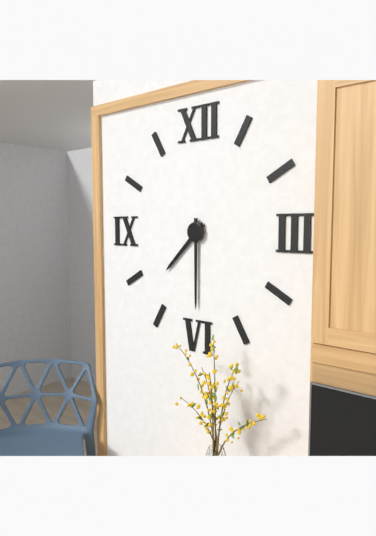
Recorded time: **7:30**
